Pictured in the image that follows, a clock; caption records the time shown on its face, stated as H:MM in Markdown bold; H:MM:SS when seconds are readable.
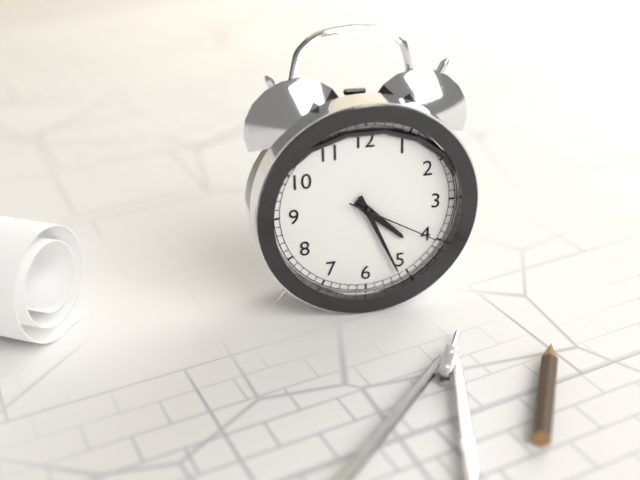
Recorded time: **4:26:20**
